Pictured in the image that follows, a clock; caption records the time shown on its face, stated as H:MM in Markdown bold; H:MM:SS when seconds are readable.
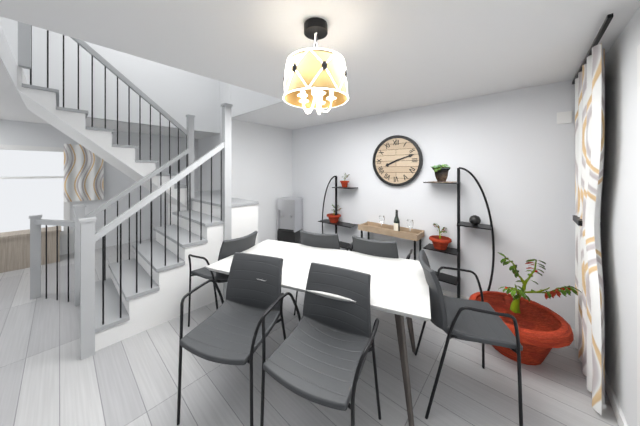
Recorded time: **8:12**
